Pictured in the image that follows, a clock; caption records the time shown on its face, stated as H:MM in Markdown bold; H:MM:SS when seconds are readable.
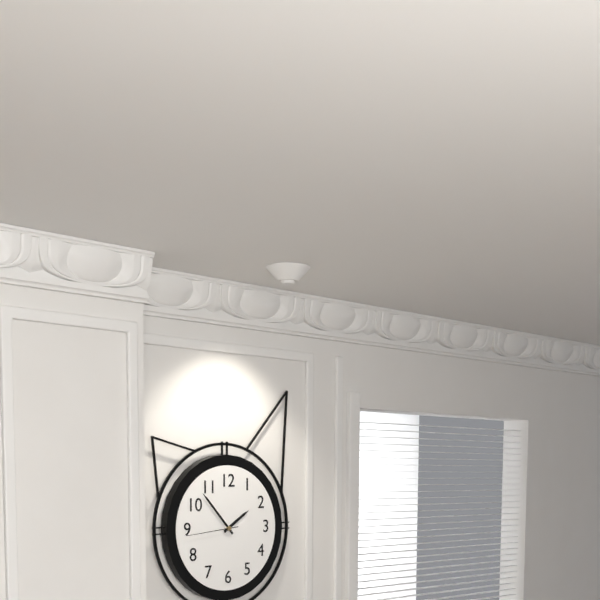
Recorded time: **1:53**
